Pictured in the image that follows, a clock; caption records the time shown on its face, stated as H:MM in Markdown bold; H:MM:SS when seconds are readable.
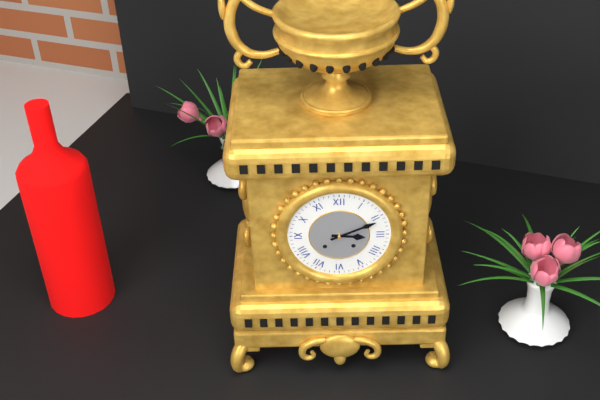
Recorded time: **3:11**
